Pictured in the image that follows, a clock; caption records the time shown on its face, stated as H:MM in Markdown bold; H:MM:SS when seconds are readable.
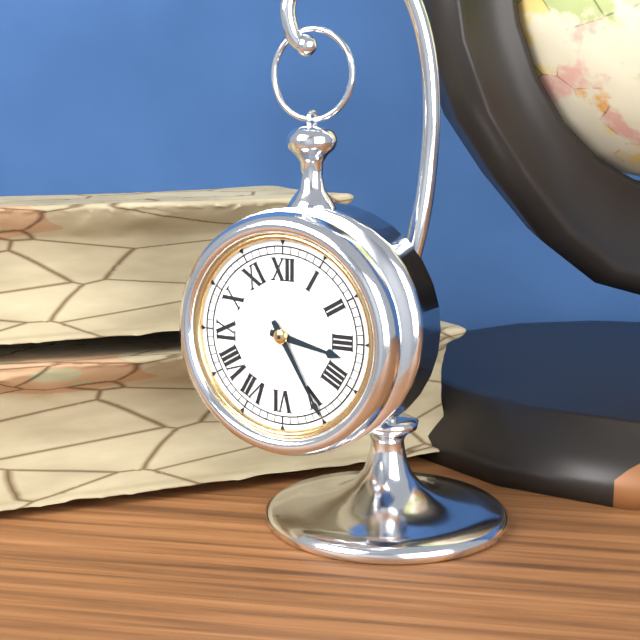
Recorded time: **3:25**
